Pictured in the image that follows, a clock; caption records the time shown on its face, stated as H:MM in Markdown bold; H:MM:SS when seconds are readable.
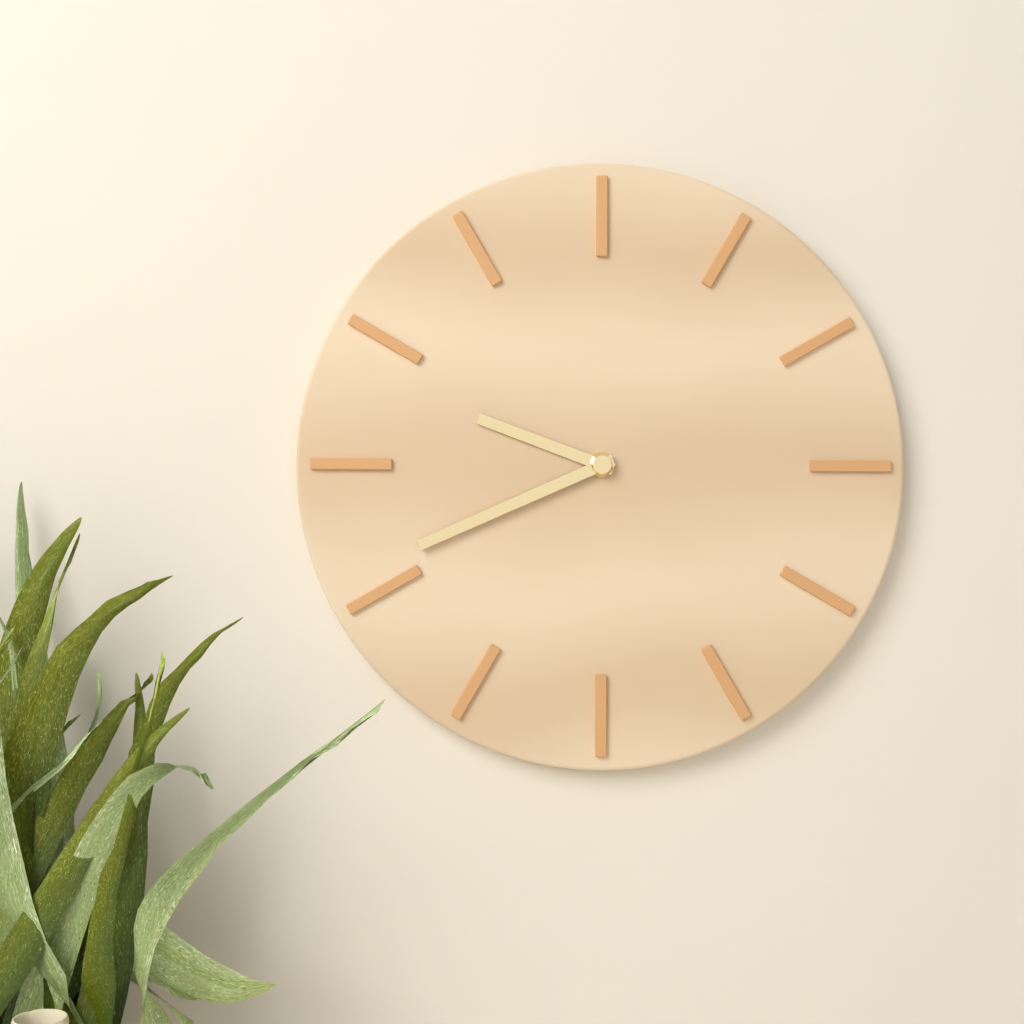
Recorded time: **9:41**
